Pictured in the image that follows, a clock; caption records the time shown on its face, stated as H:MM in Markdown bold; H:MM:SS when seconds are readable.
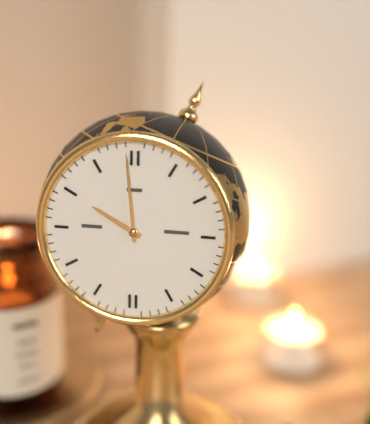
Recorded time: **9:59**
